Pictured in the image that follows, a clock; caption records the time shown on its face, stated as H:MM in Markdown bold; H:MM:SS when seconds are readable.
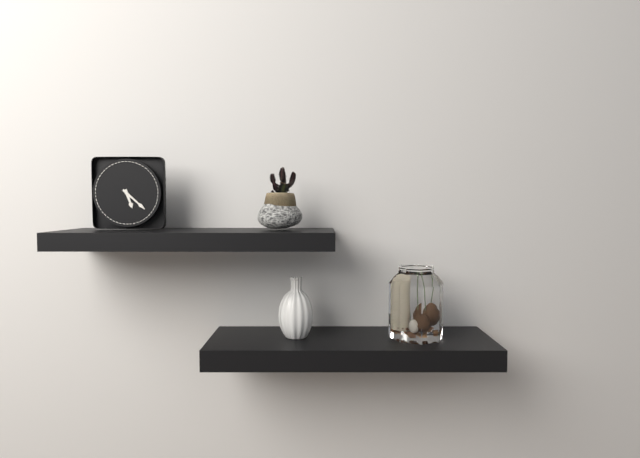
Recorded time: **5:22**
